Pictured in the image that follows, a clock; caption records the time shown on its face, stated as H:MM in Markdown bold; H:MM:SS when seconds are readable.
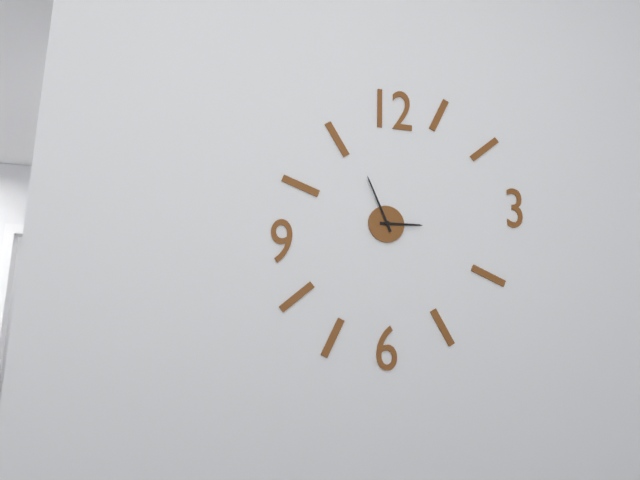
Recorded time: **2:56**
